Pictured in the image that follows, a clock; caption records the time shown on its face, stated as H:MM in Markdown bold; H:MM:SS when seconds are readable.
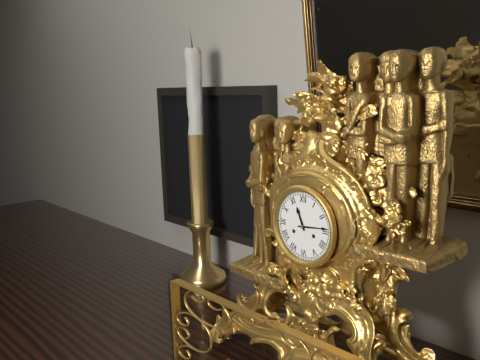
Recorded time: **11:14**
